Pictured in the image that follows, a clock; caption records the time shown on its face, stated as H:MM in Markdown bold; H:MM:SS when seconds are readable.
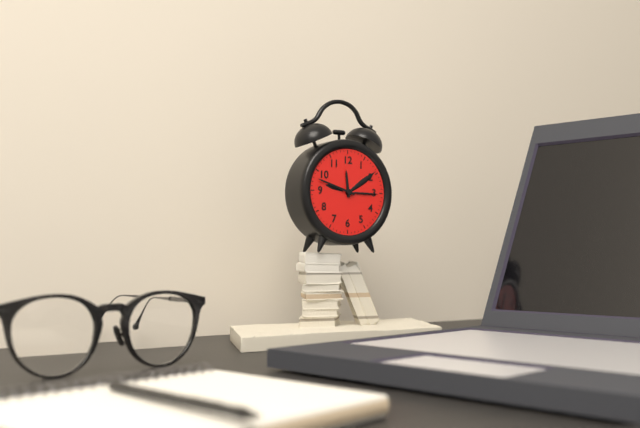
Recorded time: **11:48**
